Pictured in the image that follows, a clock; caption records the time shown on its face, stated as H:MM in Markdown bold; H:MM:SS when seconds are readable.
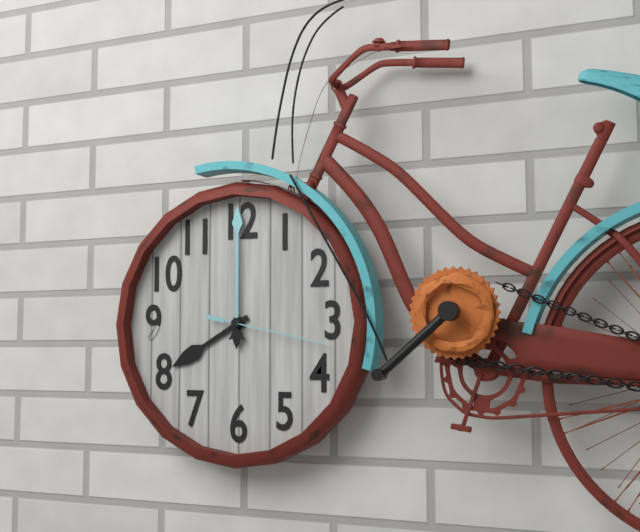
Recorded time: **8:00:17**
